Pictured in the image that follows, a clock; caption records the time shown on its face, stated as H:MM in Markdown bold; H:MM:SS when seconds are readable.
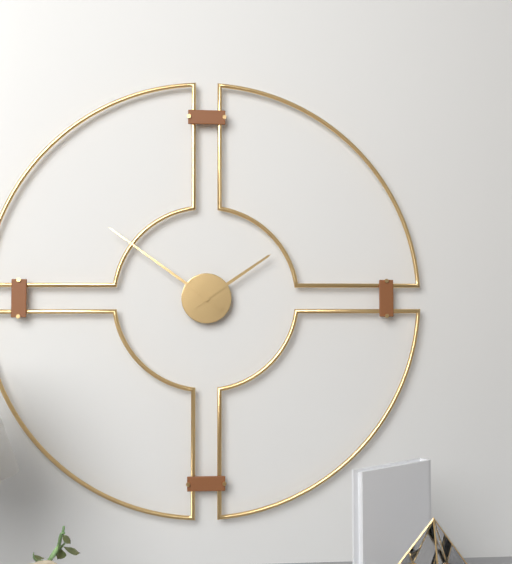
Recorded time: **1:51**
